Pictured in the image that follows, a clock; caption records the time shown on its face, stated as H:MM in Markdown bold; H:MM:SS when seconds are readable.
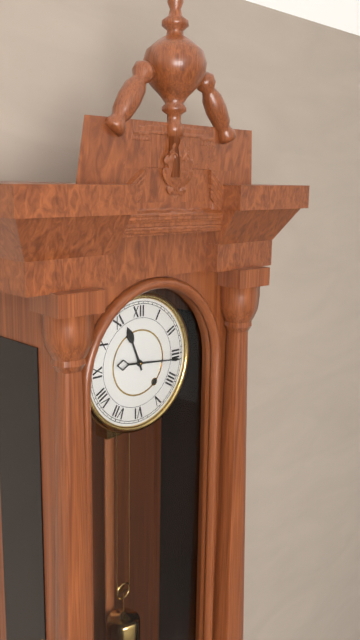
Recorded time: **11:16**
